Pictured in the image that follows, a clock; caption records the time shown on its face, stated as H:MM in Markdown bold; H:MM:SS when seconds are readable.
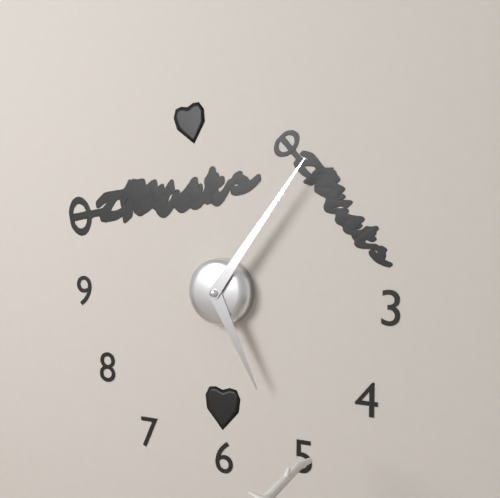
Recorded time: **5:06**
